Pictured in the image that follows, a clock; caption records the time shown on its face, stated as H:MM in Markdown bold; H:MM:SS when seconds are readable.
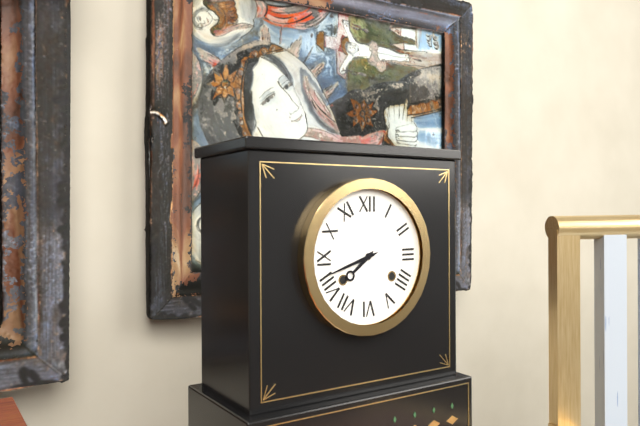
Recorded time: **7:42**
